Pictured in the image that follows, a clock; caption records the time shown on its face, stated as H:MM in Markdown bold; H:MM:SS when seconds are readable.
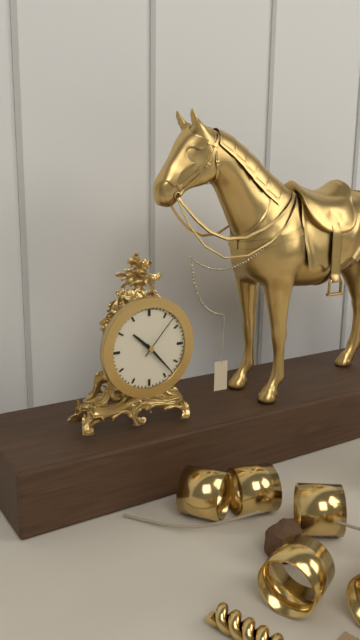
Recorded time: **10:23**
